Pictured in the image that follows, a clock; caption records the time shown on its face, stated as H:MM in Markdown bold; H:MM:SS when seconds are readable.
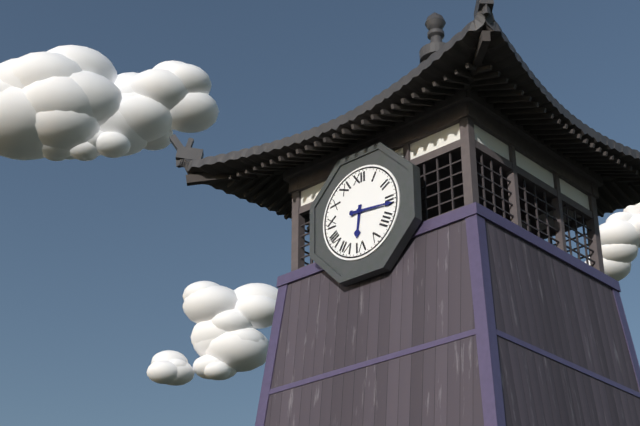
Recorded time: **6:16**
